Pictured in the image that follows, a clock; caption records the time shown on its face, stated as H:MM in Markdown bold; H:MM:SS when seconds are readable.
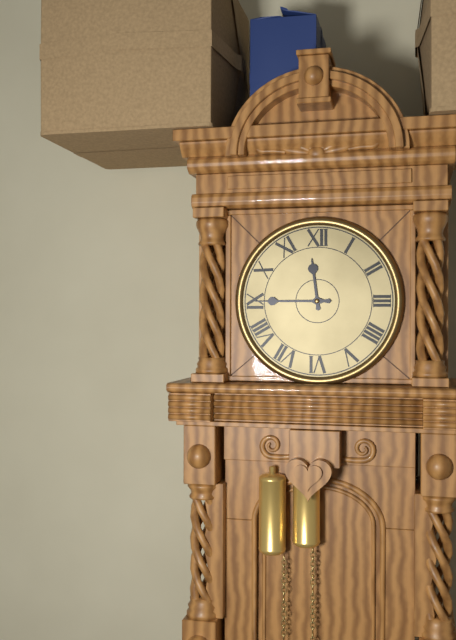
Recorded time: **11:45**
